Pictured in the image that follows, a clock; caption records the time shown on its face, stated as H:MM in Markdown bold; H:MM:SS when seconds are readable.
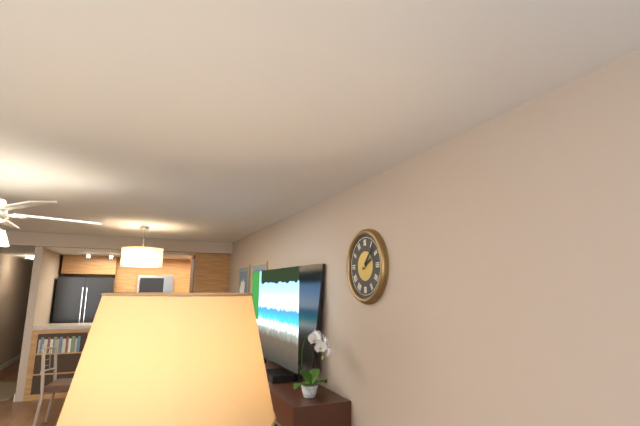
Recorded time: **2:07**
